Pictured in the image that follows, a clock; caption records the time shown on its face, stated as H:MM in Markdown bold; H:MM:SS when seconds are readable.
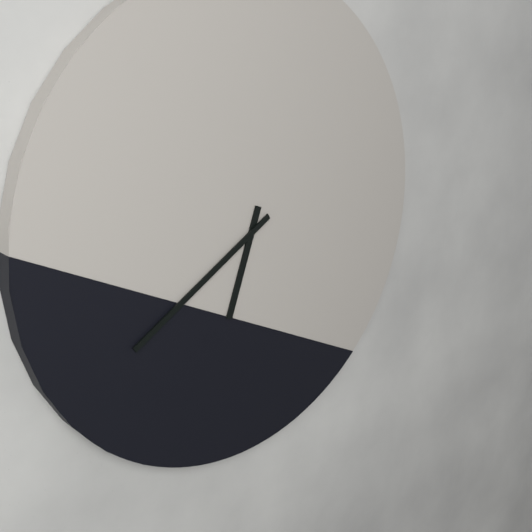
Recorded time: **6:40**
